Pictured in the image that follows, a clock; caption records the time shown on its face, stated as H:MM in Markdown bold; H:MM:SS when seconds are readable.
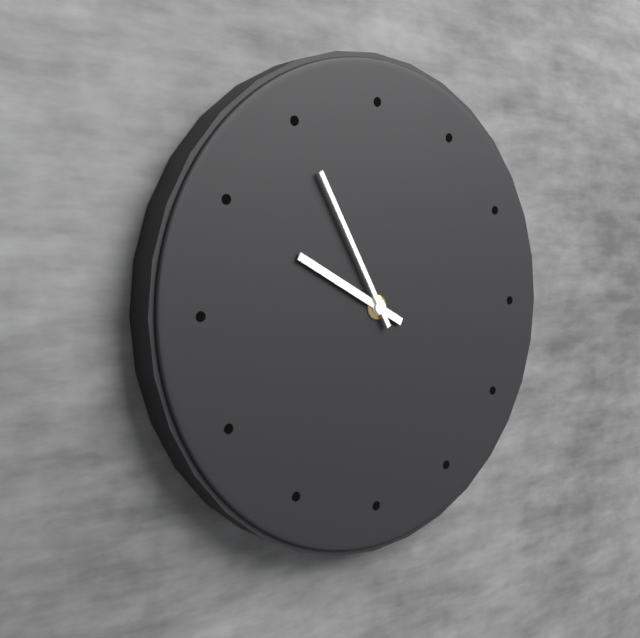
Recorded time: **9:55**
